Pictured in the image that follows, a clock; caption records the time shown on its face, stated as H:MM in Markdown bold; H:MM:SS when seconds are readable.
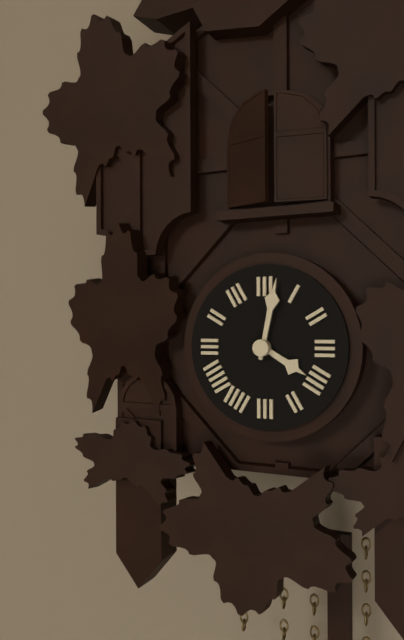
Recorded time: **4:02**
